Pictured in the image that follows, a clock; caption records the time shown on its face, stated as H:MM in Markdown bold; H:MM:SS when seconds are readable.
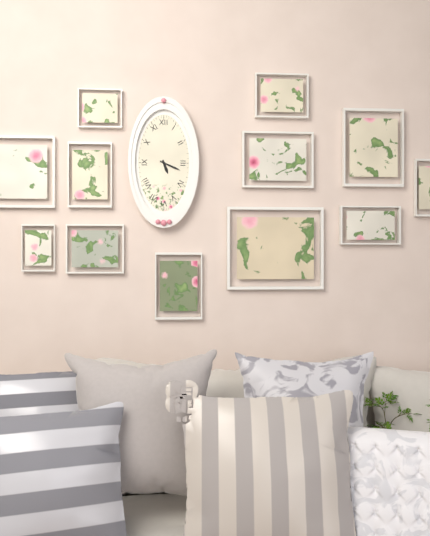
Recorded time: **5:19**
